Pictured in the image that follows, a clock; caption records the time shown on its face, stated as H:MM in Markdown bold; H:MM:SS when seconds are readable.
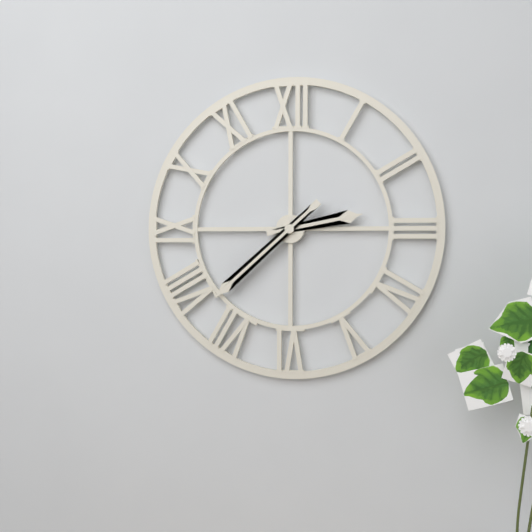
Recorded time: **2:38**
